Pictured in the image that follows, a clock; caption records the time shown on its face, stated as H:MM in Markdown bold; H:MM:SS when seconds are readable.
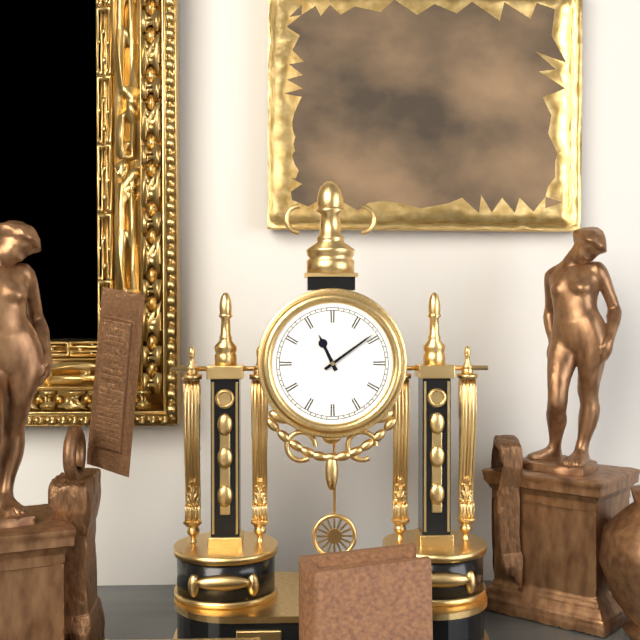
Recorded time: **11:09**
